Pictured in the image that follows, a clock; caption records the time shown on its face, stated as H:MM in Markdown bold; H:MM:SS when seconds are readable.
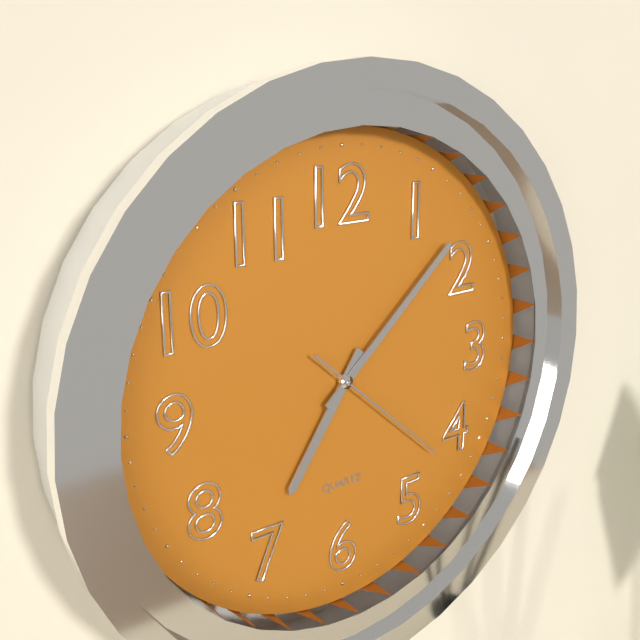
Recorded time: **7:08:22**
